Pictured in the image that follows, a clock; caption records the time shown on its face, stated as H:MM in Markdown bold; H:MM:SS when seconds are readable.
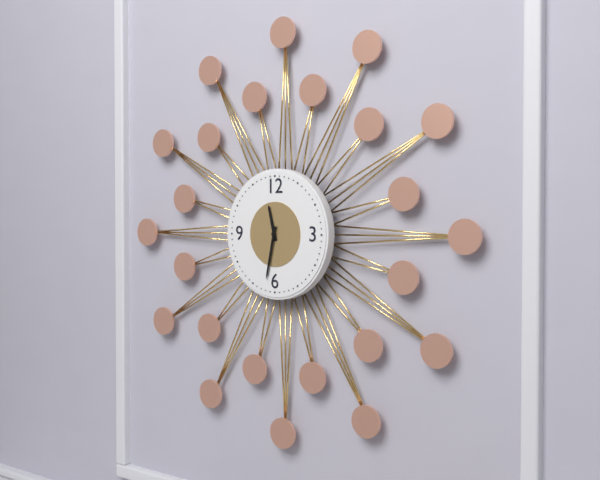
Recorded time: **11:32**
